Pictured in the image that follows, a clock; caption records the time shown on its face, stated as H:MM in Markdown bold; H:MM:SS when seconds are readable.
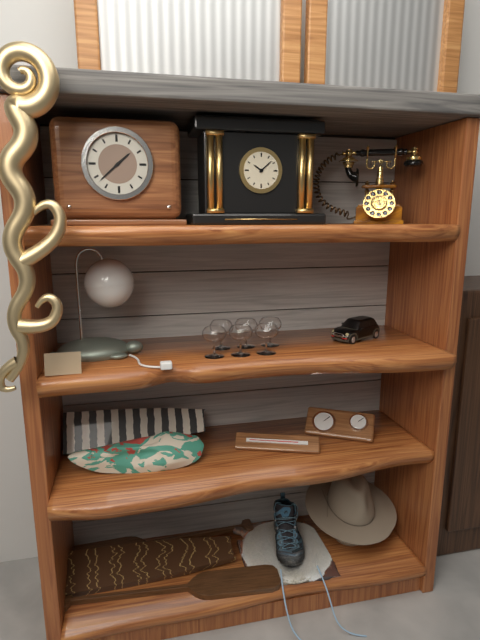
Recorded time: **1:38**
